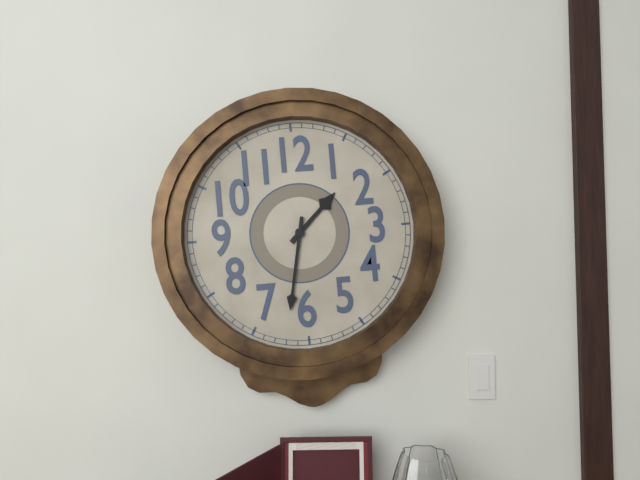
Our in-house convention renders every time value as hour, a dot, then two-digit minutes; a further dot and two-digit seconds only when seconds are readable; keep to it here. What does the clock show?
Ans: 1.32
